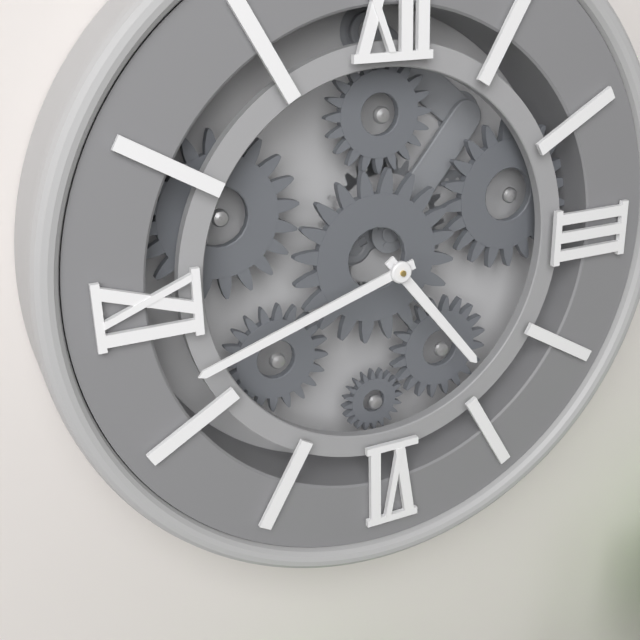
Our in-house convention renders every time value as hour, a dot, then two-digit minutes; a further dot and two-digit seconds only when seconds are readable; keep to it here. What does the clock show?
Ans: 4.42
